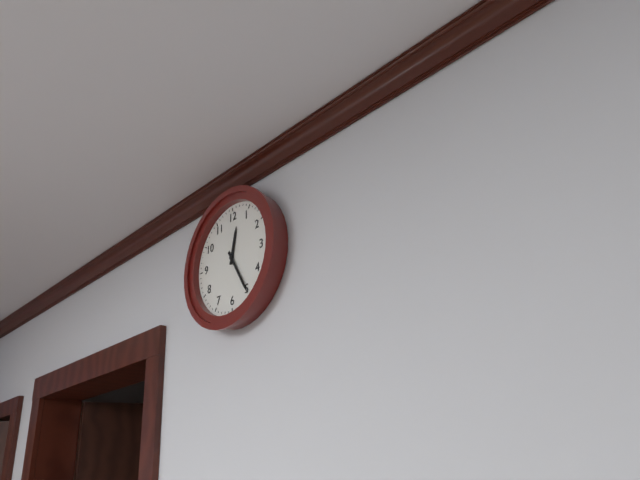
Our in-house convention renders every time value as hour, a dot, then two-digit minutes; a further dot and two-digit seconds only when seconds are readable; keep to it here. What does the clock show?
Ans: 12.25
